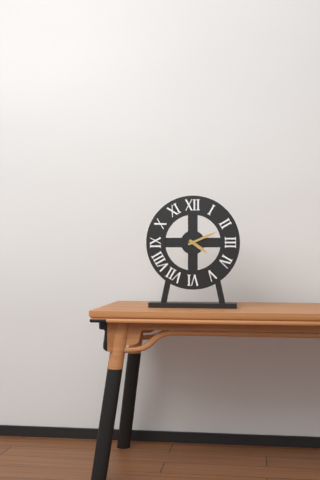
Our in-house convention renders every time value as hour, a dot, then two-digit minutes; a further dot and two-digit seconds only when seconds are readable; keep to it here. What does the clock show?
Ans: 4.11
